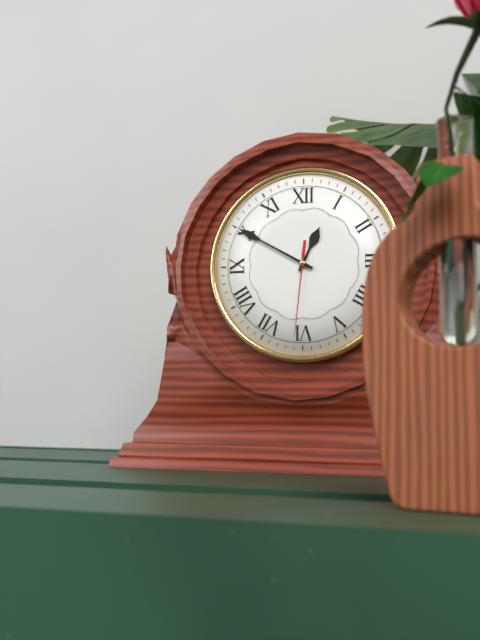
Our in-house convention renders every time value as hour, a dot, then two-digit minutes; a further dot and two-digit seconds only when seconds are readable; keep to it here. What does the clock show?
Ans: 12.50.31
